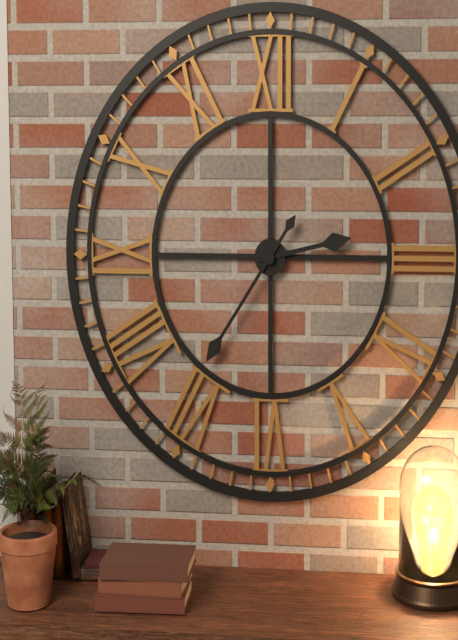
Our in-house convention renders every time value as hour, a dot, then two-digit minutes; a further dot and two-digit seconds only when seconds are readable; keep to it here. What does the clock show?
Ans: 2.36
